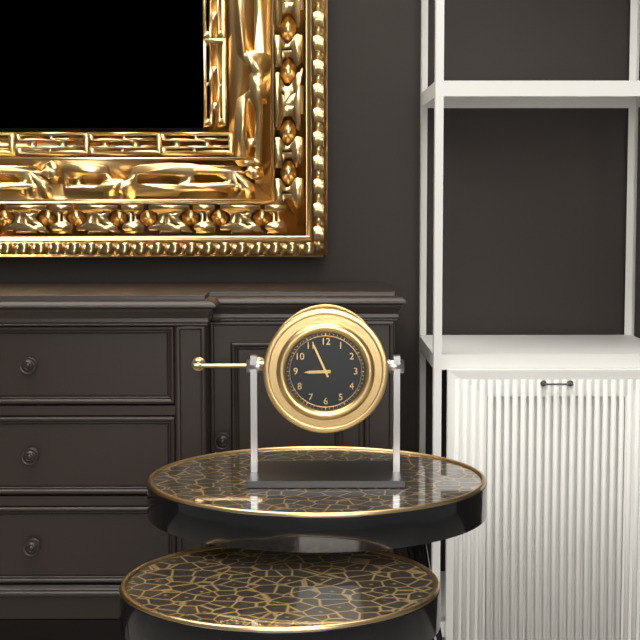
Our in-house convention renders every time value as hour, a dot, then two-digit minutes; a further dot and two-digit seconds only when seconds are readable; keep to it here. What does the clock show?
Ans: 8.56
